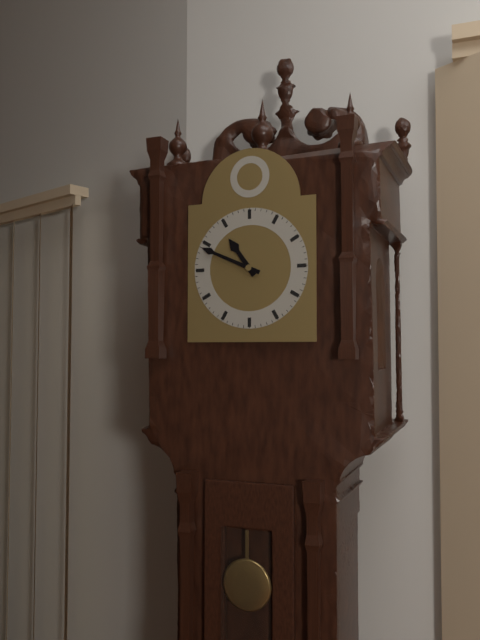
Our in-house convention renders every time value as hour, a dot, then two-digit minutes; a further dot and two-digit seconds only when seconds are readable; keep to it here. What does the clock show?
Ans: 10.49
